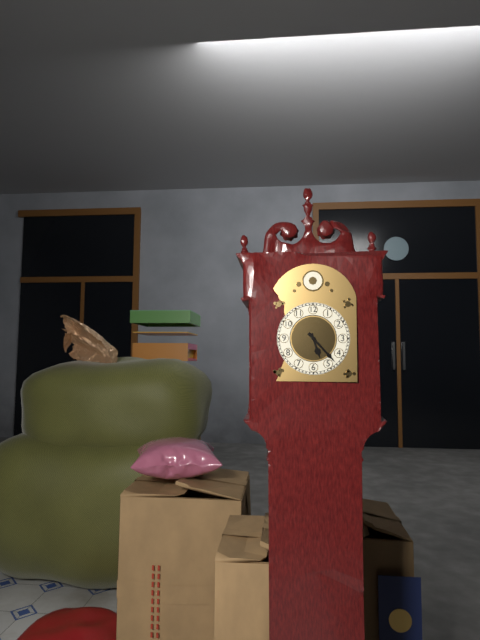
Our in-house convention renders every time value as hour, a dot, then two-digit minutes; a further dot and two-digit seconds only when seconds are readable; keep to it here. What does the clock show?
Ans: 5.23
